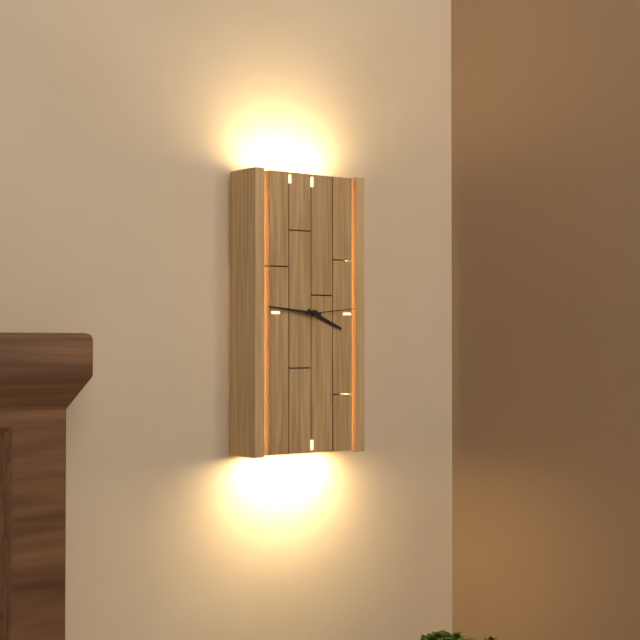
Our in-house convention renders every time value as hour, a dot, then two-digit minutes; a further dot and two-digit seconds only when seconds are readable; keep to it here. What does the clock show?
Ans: 3.46.14
